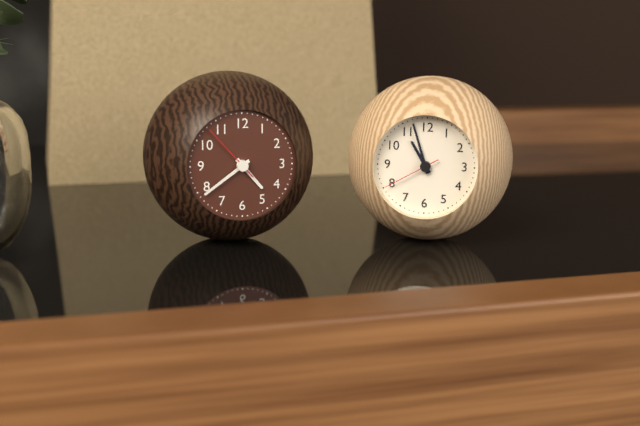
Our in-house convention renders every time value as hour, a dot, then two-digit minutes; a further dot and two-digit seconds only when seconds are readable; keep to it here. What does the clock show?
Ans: 4.39.53
